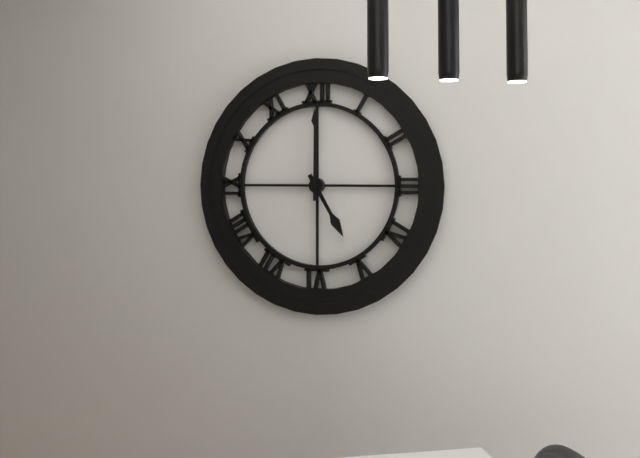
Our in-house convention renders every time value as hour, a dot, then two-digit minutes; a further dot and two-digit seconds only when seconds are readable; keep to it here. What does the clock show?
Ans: 5.00
